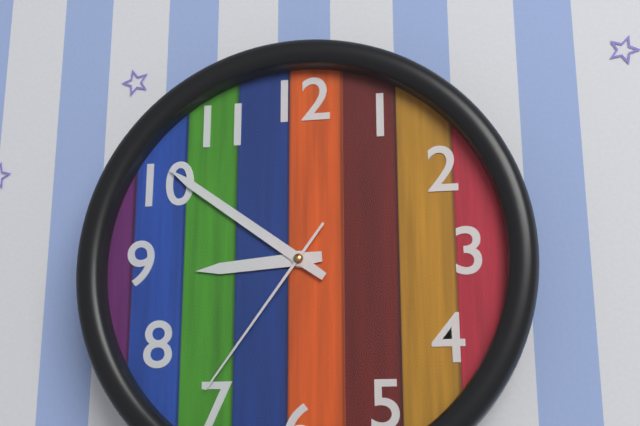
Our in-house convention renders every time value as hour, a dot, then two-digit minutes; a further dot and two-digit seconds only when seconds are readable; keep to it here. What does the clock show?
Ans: 8.51.36
